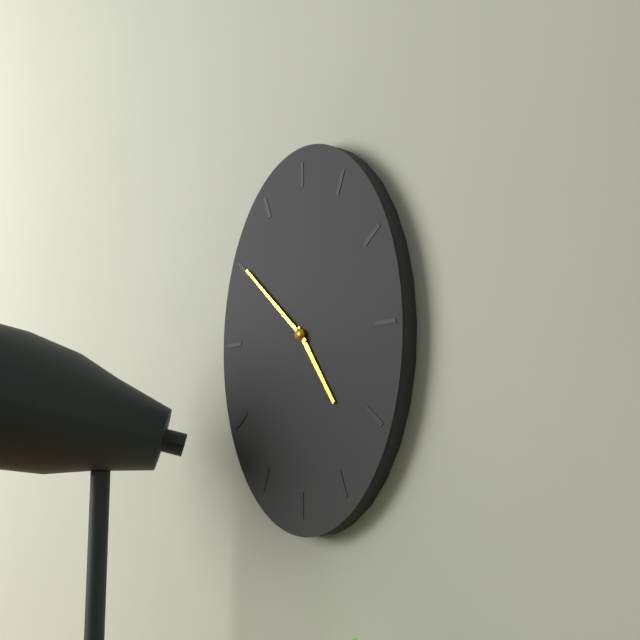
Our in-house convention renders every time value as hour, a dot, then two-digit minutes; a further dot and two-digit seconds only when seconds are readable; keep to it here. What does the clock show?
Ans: 4.52
